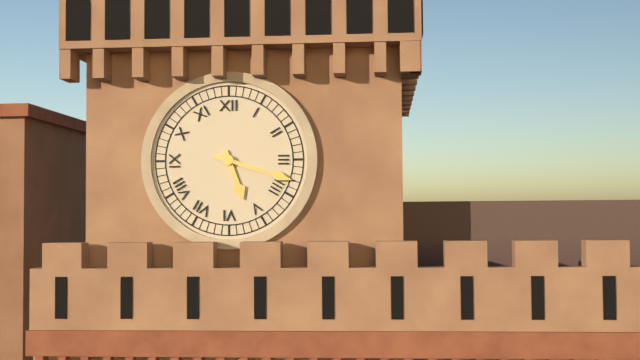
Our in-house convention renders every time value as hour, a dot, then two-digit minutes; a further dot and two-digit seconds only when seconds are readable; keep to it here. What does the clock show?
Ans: 5.18
